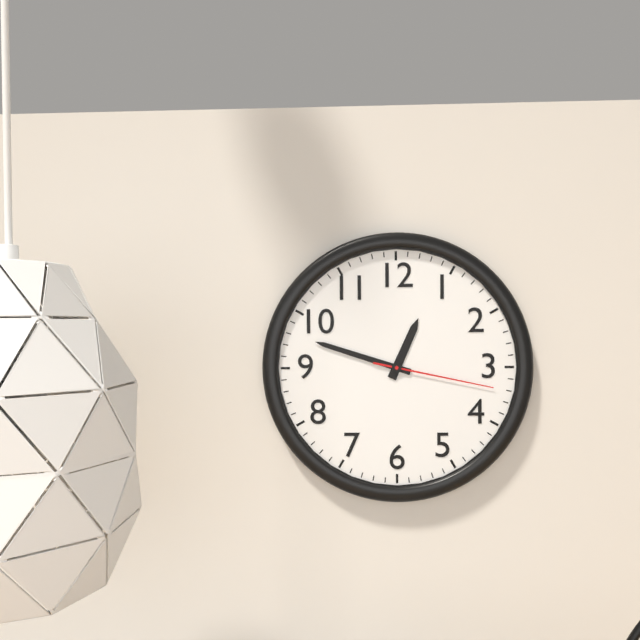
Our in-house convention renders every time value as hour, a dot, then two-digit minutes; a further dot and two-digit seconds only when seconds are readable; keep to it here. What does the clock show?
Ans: 12.48.17
